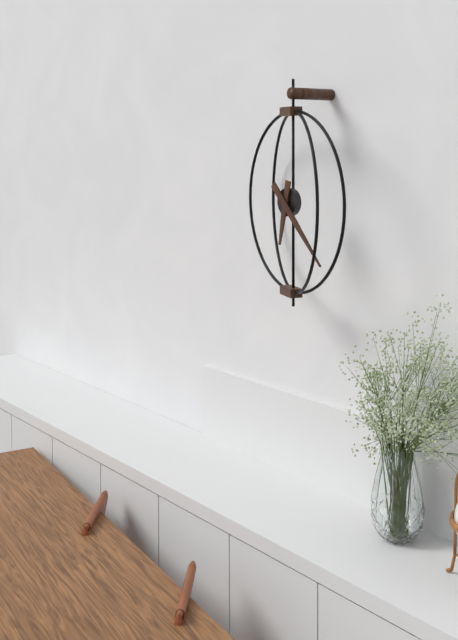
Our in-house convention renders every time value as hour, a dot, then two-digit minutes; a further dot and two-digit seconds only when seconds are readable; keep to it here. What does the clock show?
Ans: 6.23
